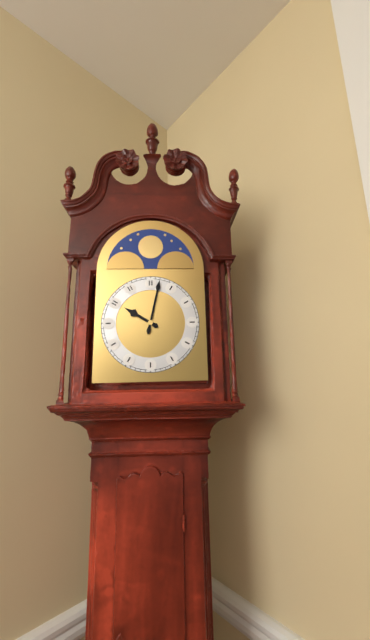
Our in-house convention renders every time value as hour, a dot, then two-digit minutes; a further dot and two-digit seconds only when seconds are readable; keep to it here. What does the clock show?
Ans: 10.02
